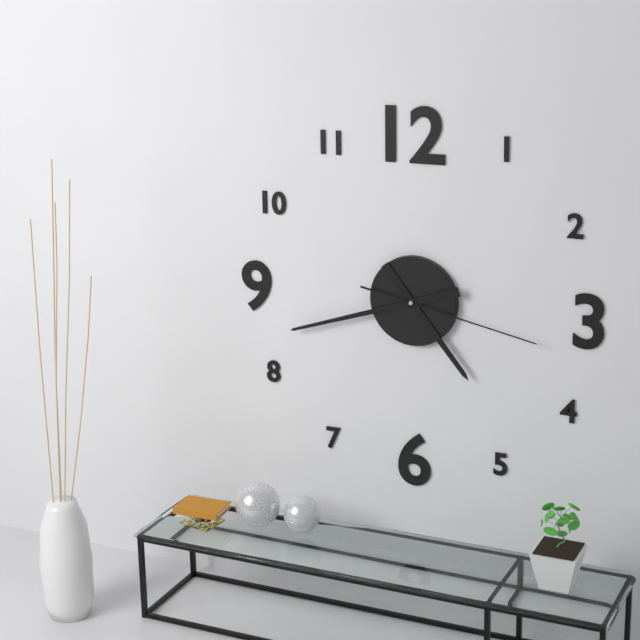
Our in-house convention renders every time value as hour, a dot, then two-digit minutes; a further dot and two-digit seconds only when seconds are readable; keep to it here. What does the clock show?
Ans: 4.42.17
